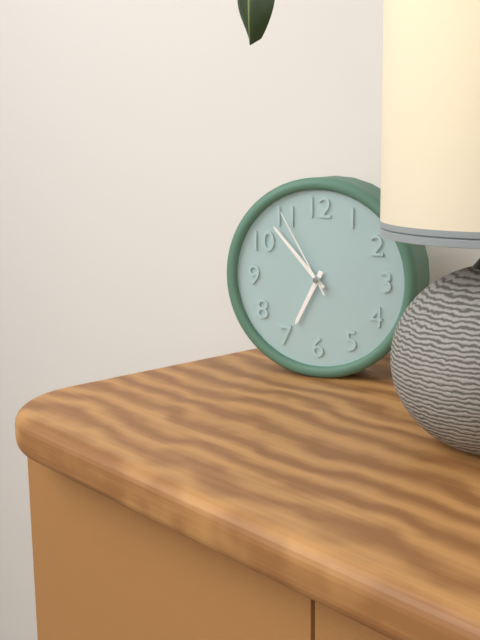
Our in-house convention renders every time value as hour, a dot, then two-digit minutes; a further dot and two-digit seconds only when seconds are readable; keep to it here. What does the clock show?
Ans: 6.53.55
